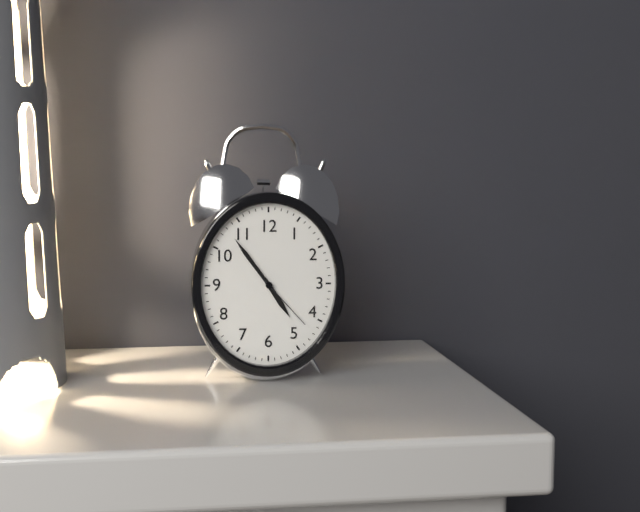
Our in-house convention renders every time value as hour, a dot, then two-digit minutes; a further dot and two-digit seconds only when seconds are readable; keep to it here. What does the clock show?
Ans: 4.54.23
